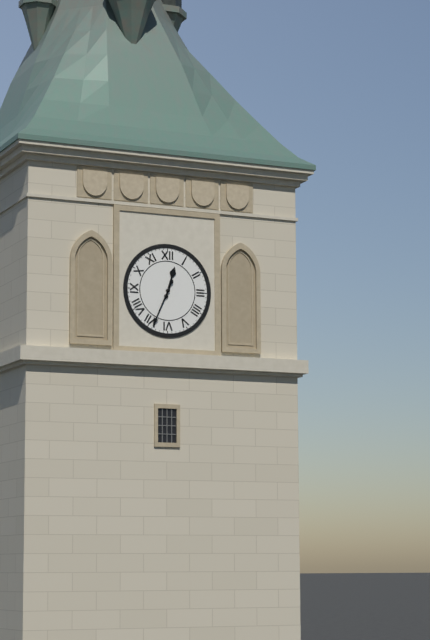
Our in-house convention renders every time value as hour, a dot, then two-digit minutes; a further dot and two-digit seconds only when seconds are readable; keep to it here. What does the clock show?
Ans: 12.34
